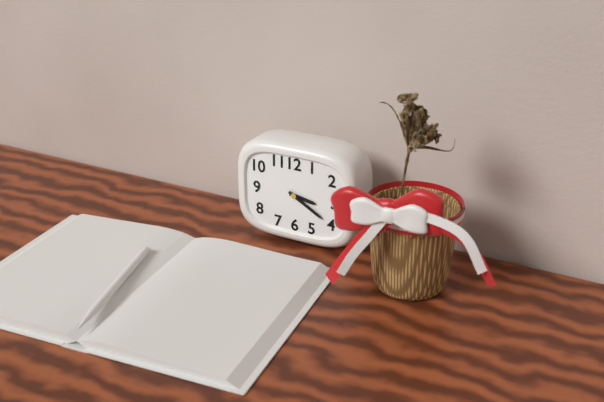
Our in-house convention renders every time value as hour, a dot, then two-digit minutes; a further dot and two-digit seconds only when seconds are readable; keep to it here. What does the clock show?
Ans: 3.20
